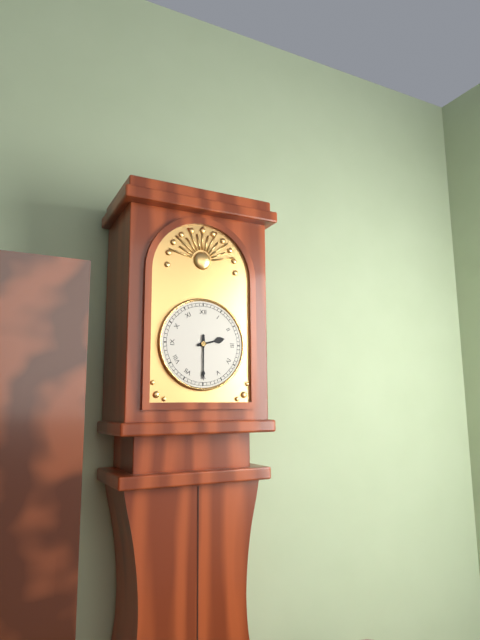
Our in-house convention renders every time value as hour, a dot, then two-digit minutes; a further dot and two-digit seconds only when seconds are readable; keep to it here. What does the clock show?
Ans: 2.30
